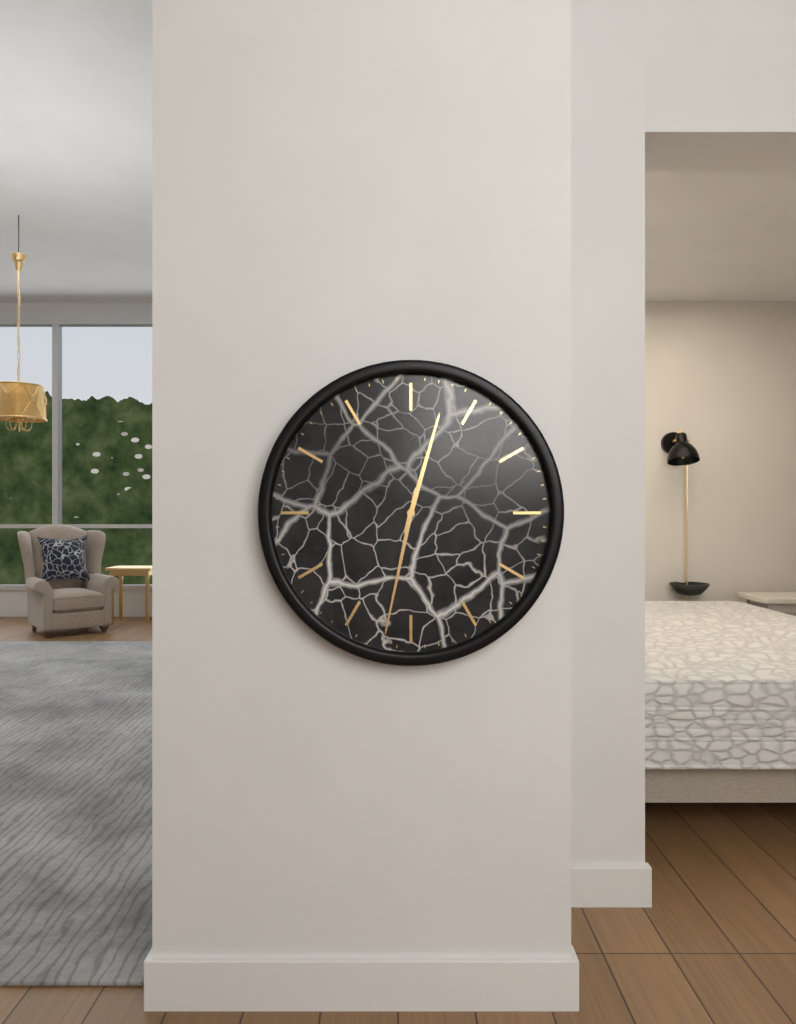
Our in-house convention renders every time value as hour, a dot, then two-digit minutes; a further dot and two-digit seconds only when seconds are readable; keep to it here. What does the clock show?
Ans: 12.32
